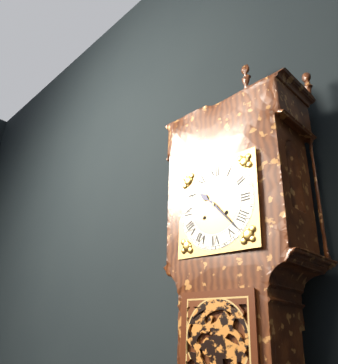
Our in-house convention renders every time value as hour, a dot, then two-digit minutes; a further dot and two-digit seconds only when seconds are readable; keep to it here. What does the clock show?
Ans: 10.23
